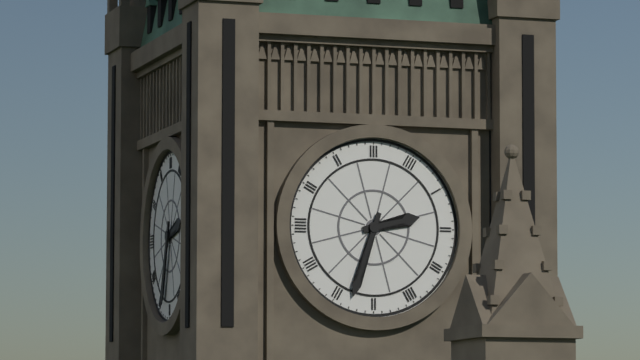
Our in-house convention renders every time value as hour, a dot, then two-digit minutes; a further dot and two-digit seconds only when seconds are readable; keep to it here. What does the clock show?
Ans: 2.33
